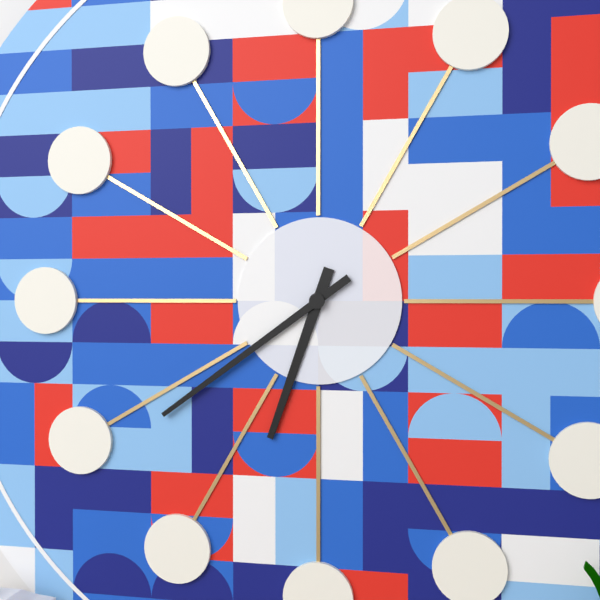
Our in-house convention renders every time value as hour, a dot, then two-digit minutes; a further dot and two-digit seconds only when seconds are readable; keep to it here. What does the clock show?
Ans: 6.39
